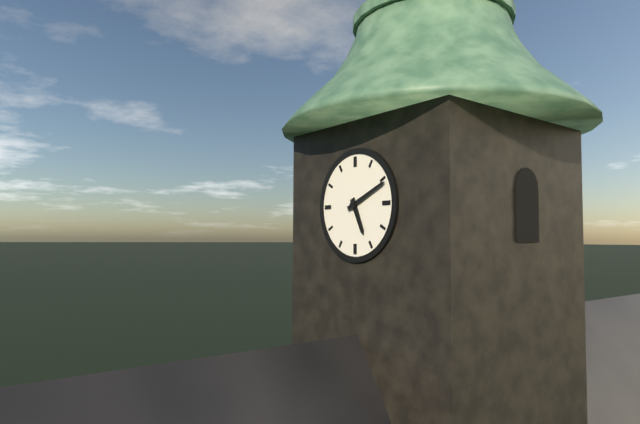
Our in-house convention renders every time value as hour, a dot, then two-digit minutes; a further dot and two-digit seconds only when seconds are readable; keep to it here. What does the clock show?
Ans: 5.11
